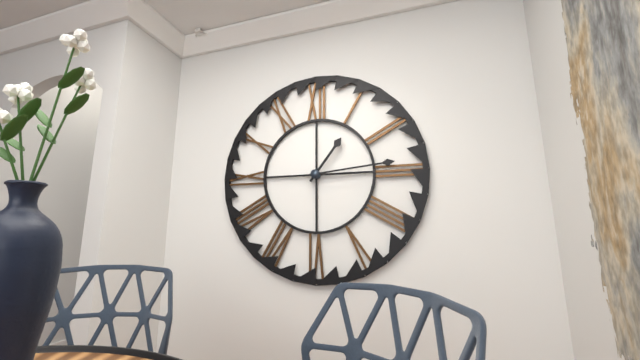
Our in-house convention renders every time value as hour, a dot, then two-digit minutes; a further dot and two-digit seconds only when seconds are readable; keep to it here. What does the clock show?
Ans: 1.14
